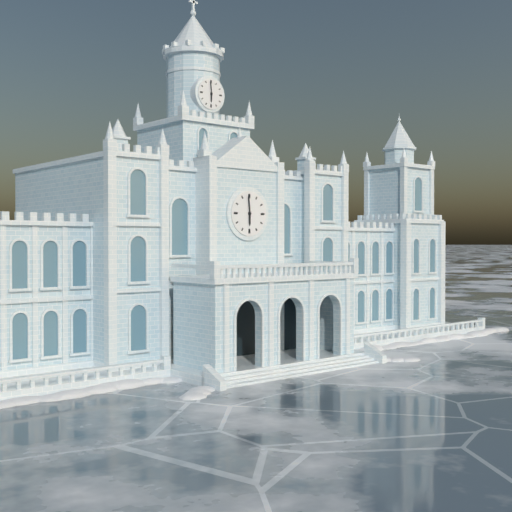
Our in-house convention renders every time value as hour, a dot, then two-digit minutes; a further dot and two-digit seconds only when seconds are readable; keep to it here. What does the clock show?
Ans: 5.59
